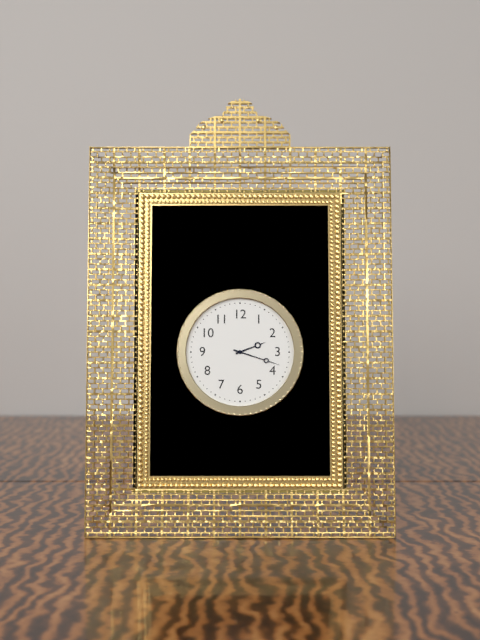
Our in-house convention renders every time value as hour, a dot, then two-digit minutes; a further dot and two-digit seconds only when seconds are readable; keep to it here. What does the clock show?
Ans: 2.18
